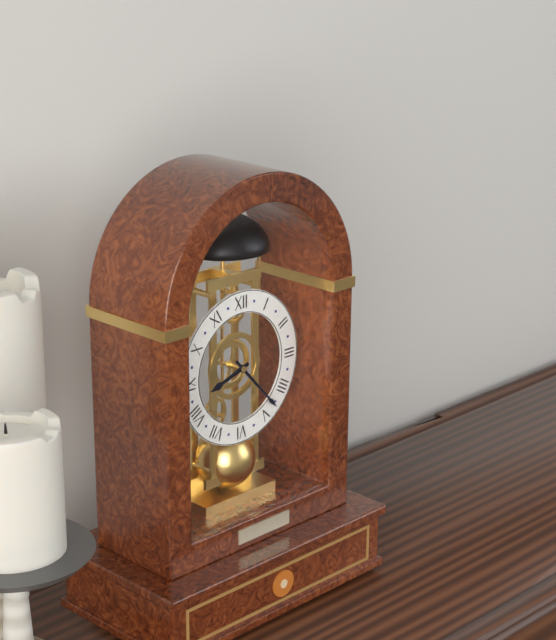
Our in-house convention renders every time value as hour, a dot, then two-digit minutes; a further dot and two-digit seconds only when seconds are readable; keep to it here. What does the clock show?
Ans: 8.23
